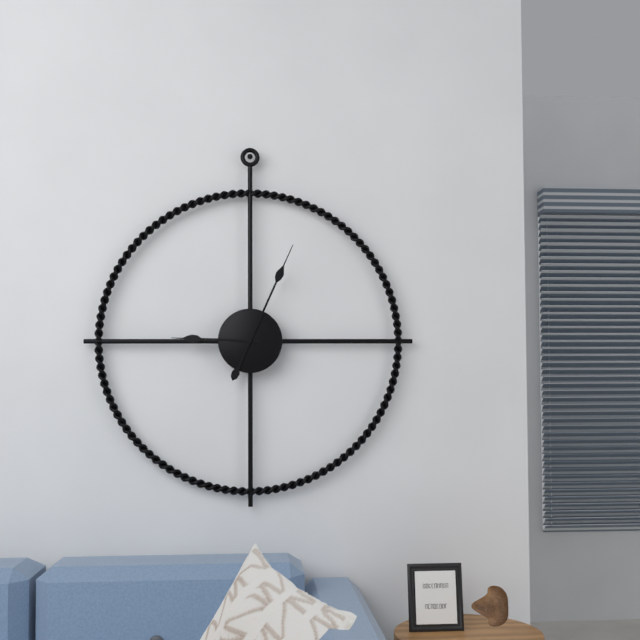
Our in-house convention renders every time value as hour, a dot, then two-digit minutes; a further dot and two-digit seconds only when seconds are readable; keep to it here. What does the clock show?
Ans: 9.04
